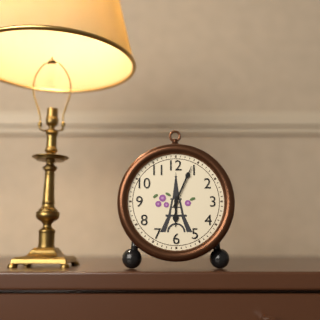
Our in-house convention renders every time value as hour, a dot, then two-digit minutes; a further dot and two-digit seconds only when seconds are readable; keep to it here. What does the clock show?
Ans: 6.04
